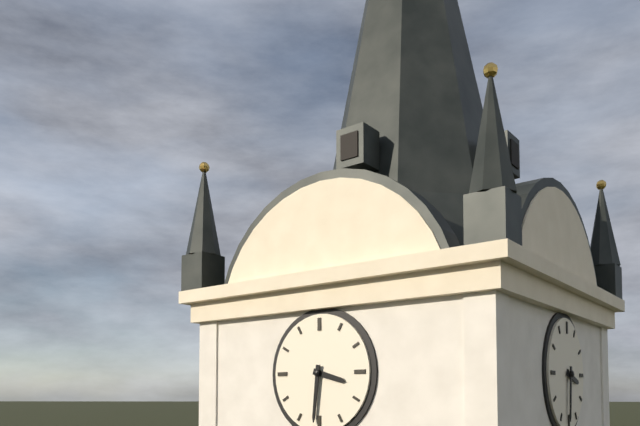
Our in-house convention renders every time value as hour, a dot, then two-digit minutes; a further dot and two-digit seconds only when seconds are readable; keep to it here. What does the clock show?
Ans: 3.31
